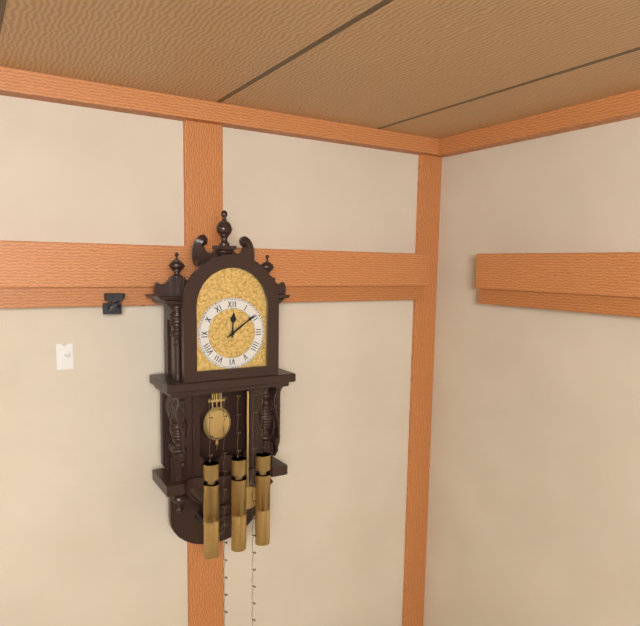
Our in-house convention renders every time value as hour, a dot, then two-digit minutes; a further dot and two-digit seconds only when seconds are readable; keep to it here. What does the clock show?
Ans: 12.09
